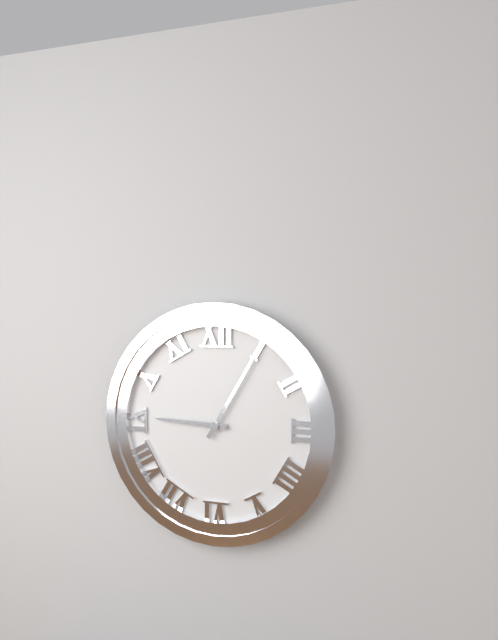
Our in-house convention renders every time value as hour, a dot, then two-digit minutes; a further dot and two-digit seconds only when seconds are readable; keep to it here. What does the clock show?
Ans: 9.05
